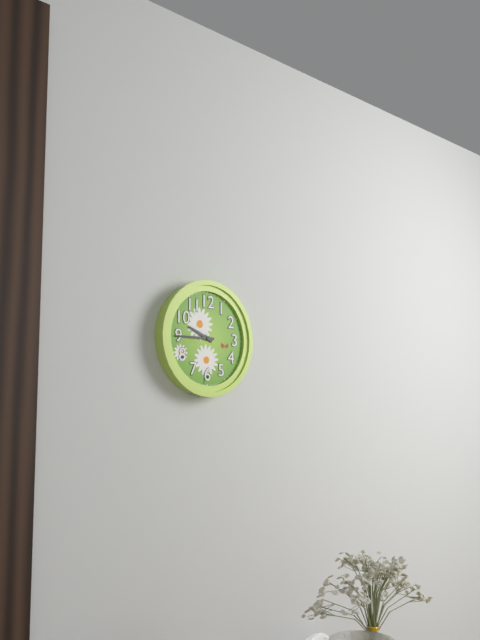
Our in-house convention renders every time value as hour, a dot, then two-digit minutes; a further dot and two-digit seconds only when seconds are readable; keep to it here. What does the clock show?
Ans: 9.45
